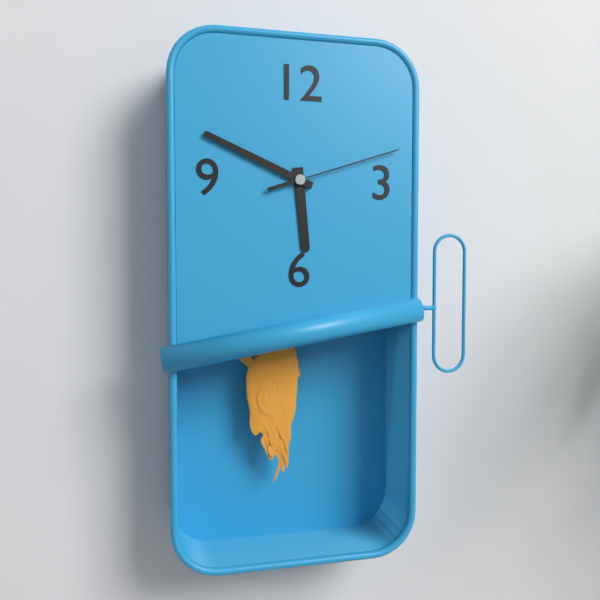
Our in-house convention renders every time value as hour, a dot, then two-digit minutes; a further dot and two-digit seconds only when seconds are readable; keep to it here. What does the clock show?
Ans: 5.49.12
